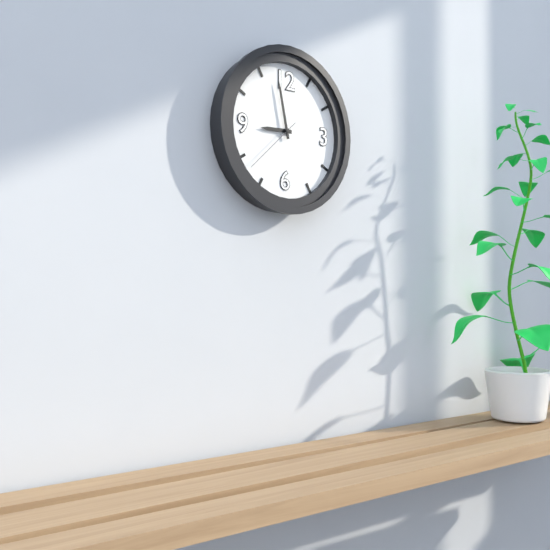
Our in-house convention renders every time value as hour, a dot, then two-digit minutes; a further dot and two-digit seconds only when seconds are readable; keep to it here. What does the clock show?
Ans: 8.58.38
